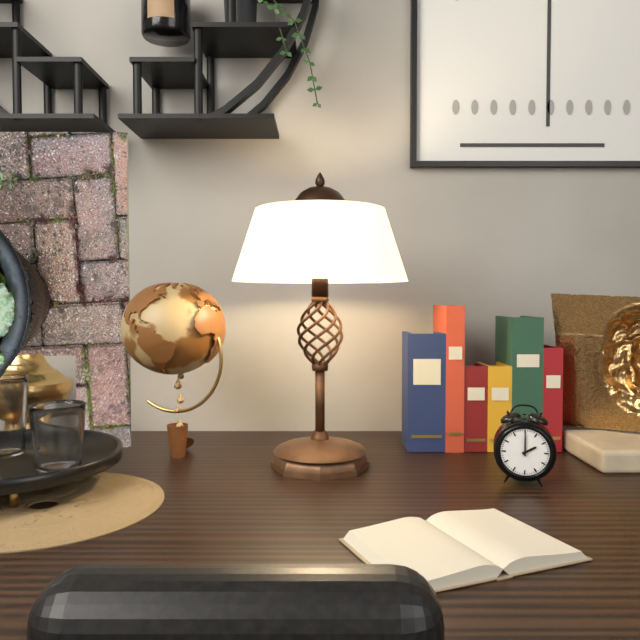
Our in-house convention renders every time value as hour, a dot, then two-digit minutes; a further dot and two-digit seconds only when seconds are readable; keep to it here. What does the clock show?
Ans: 2.00
